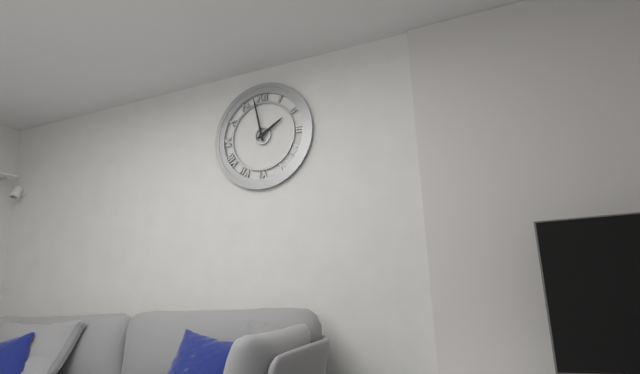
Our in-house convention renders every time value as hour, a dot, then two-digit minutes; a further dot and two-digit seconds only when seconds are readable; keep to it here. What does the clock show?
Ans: 1.58
